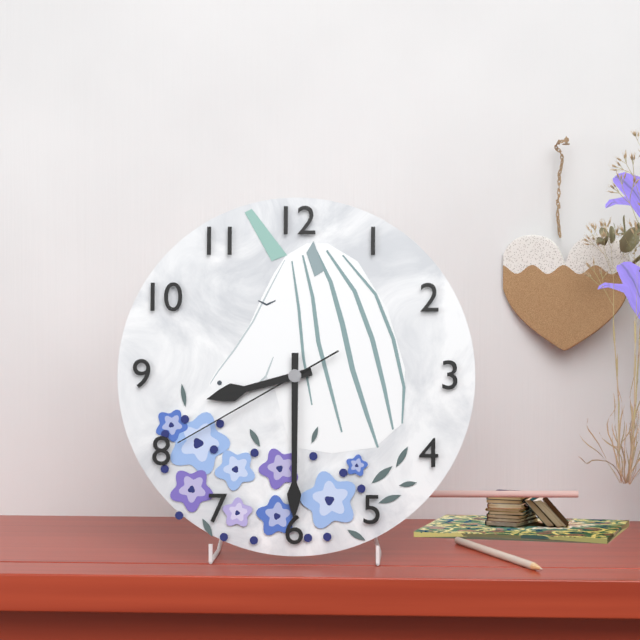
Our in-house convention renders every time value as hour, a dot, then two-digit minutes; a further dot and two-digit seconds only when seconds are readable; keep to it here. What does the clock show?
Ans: 8.30.40
